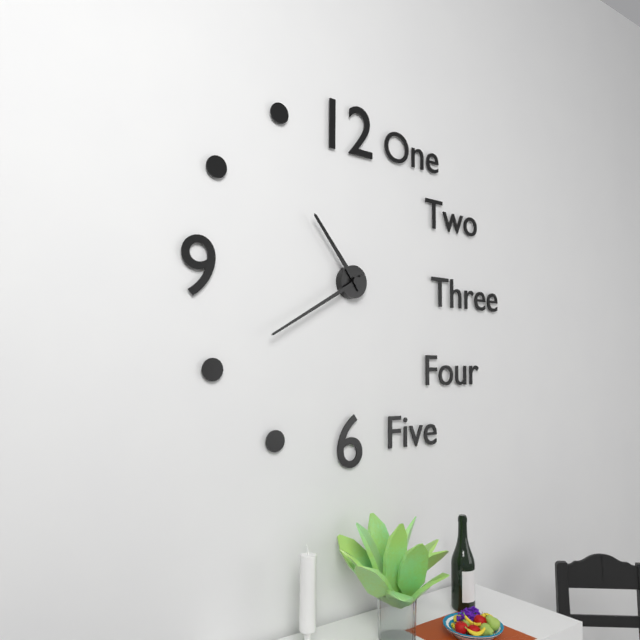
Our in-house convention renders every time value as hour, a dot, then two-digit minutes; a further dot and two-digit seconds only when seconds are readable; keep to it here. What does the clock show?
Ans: 10.40
